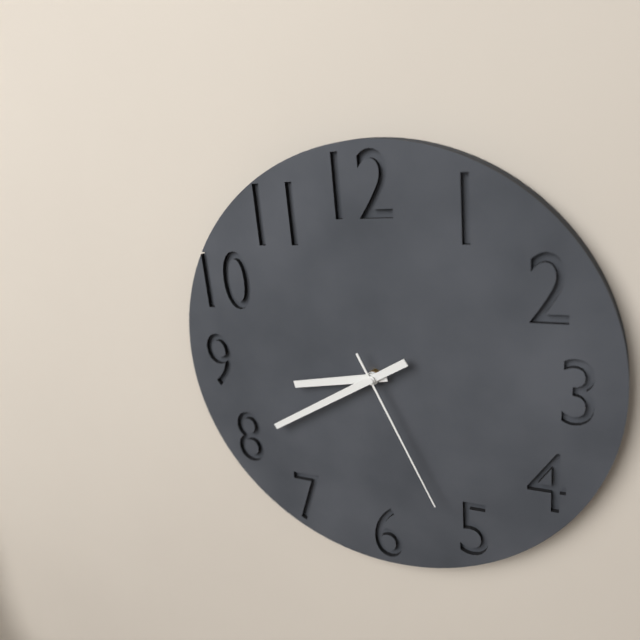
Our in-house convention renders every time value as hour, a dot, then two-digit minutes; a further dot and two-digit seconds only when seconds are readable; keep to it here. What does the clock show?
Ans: 8.40.26
